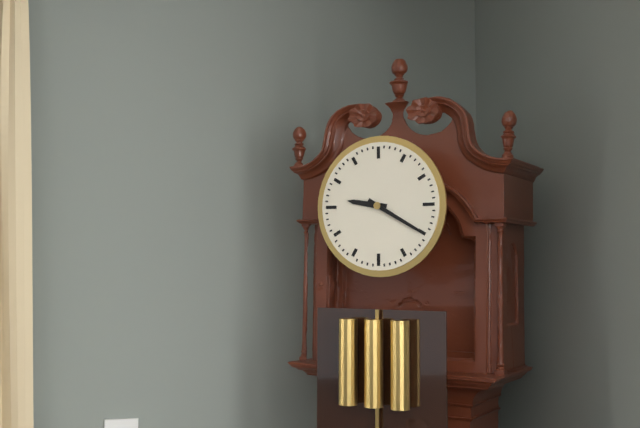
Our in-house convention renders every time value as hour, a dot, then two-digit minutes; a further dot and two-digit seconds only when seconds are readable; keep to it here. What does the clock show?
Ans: 9.20
